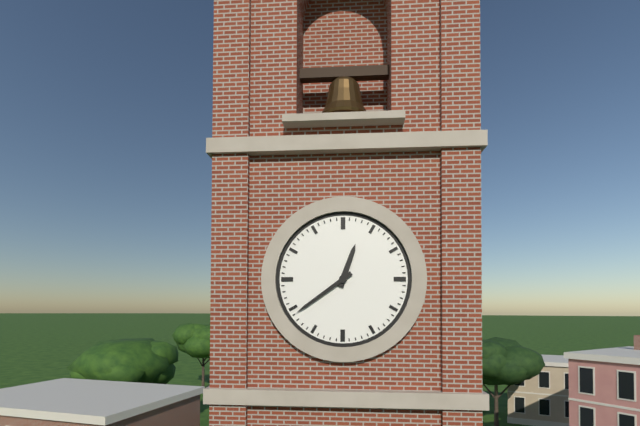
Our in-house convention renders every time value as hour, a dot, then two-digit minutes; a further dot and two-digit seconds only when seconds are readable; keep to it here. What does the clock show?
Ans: 12.39
